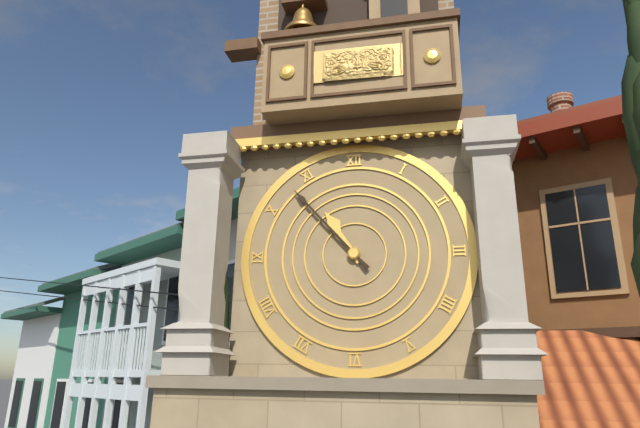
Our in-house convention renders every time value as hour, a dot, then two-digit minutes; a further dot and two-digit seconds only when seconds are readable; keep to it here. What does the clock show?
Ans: 10.53
